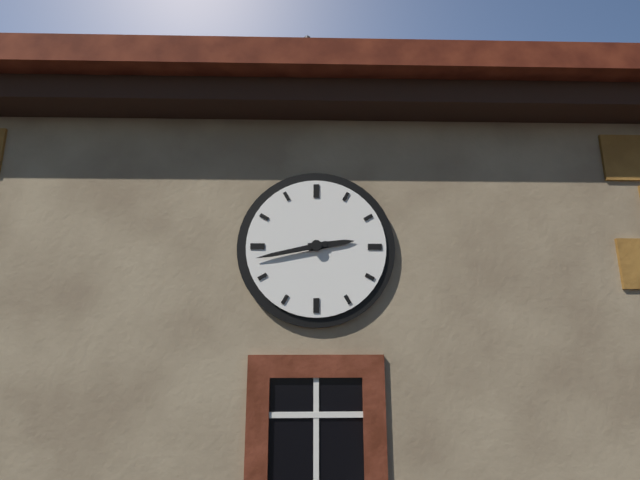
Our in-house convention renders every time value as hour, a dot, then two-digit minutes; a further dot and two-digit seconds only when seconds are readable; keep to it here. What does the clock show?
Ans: 2.43
